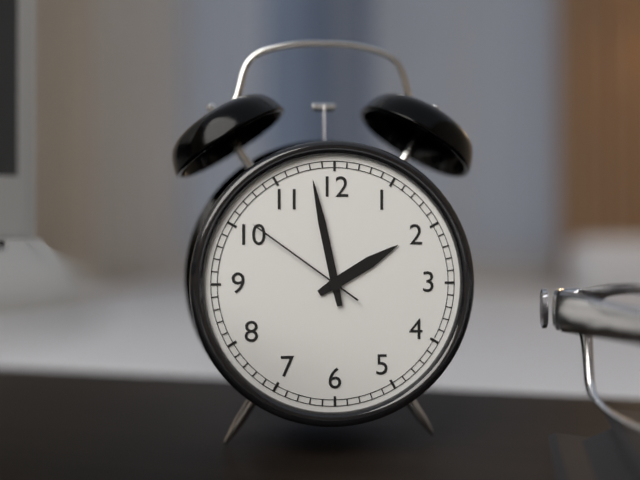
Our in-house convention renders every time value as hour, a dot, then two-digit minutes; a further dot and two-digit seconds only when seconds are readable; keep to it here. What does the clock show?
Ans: 1.58.51
